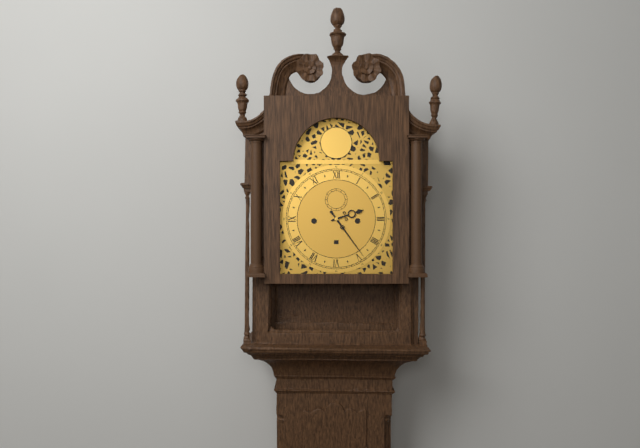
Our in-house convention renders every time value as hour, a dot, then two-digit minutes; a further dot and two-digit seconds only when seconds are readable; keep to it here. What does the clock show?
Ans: 2.24
